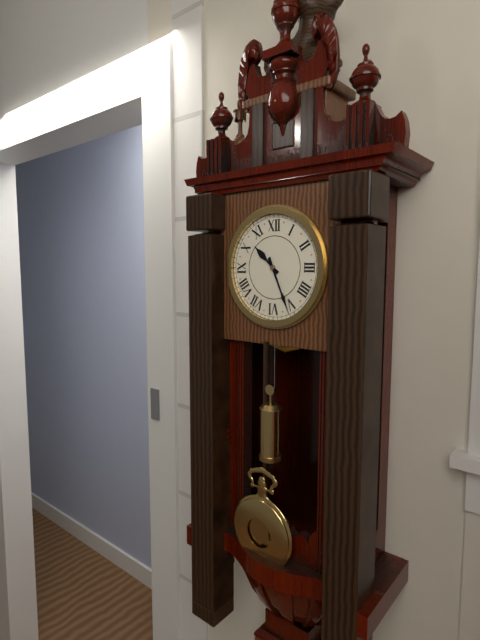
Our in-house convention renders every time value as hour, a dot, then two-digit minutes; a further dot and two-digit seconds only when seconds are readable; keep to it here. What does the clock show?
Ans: 10.26
